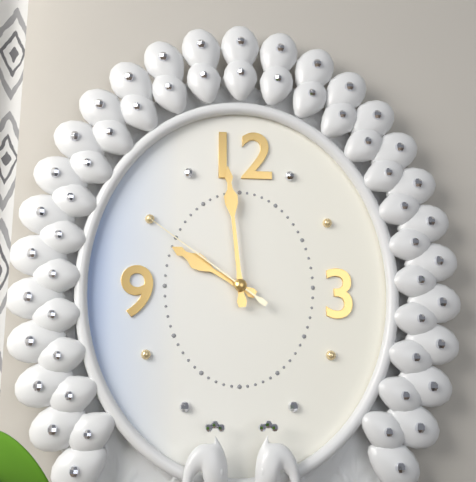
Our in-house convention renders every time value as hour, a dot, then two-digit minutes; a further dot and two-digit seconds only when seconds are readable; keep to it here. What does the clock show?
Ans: 9.59.51
